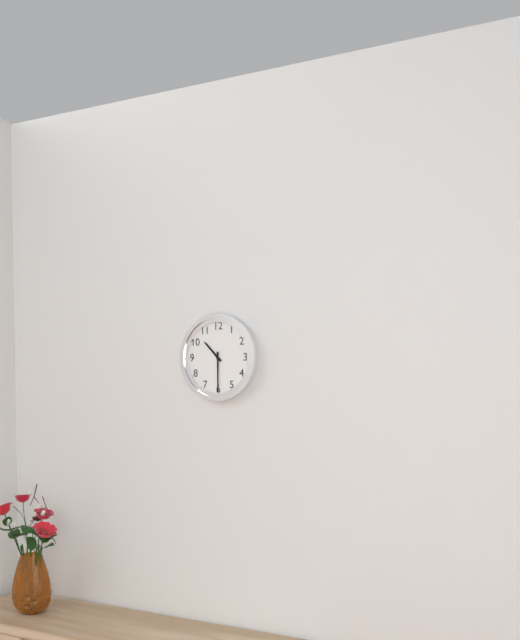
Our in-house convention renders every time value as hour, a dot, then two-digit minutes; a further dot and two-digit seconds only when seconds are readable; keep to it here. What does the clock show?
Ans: 10.30
